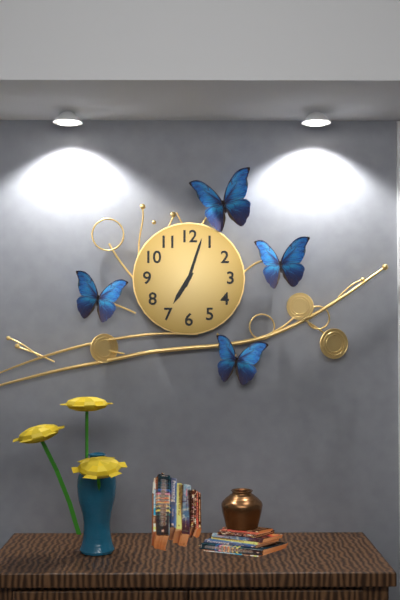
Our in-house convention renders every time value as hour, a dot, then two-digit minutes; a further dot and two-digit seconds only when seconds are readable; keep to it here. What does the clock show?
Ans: 7.03
